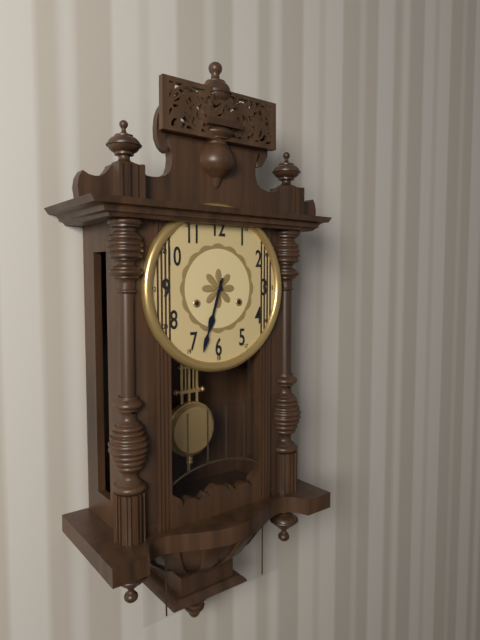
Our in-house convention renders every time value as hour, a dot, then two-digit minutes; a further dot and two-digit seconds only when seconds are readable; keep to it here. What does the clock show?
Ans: 6.33
